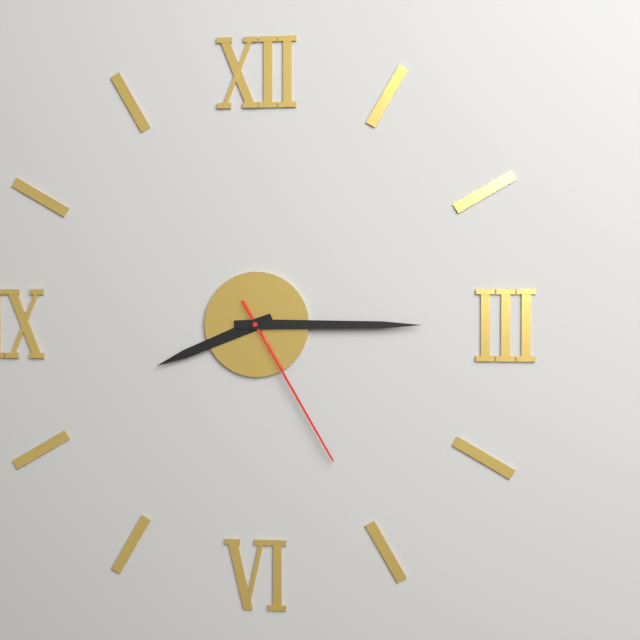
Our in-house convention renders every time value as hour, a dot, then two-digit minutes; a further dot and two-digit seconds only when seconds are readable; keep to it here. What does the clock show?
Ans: 8.15.25
